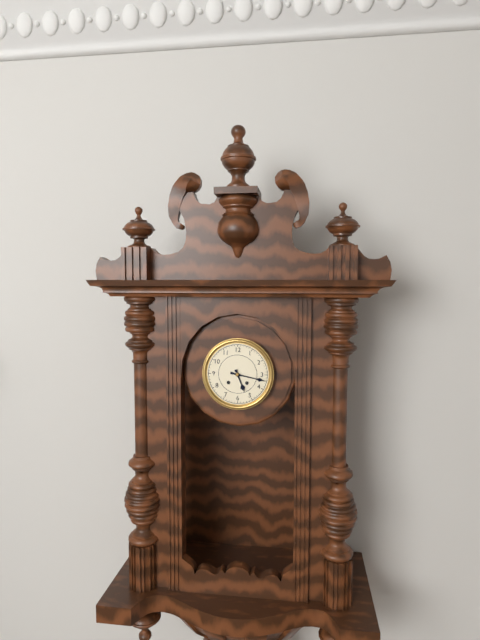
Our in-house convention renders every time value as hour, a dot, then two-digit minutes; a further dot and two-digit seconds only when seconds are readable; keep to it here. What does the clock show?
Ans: 5.17
